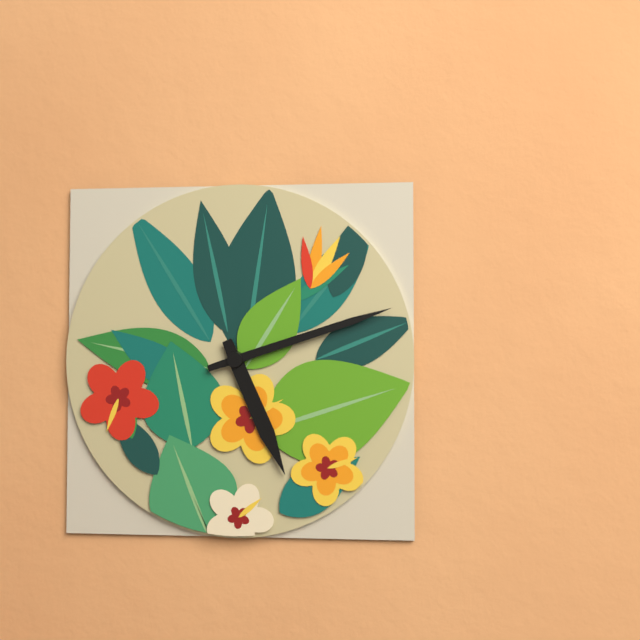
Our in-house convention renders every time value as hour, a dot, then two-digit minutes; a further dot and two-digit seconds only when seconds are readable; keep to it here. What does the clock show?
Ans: 5.12
